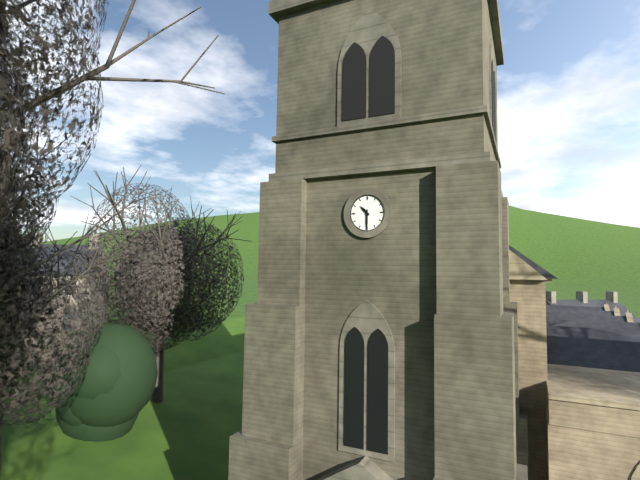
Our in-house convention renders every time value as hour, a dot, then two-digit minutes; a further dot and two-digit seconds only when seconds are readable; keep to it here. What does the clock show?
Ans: 10.30
